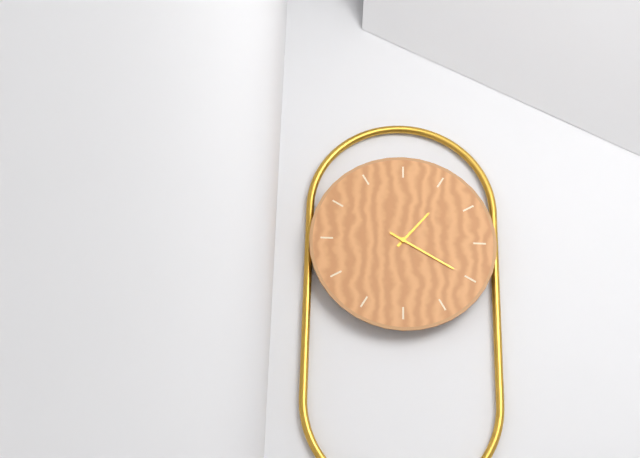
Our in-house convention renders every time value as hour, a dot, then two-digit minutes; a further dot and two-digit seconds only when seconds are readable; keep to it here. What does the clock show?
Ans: 1.20
